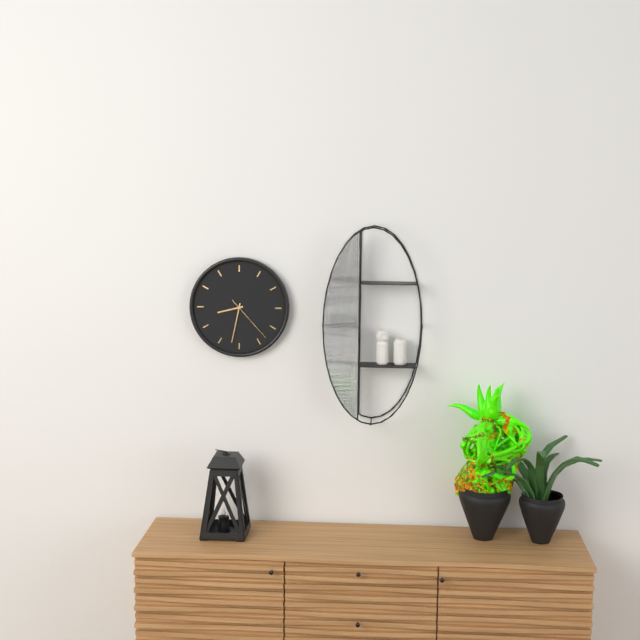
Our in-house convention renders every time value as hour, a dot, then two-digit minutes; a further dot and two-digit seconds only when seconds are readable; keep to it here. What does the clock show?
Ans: 8.32.23
